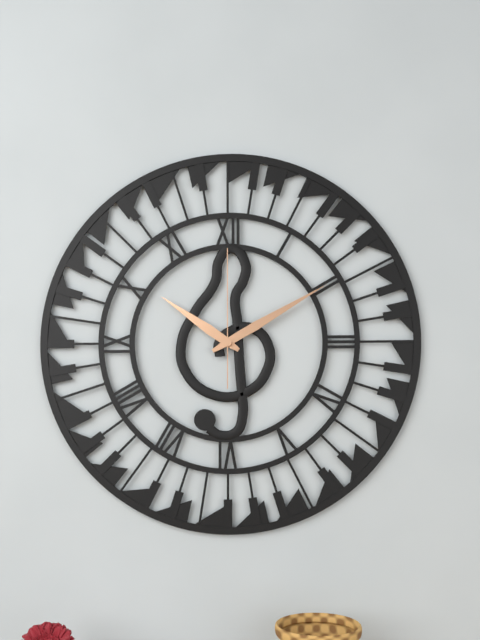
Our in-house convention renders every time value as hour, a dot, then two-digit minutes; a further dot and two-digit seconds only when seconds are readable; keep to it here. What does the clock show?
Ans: 10.10.00
